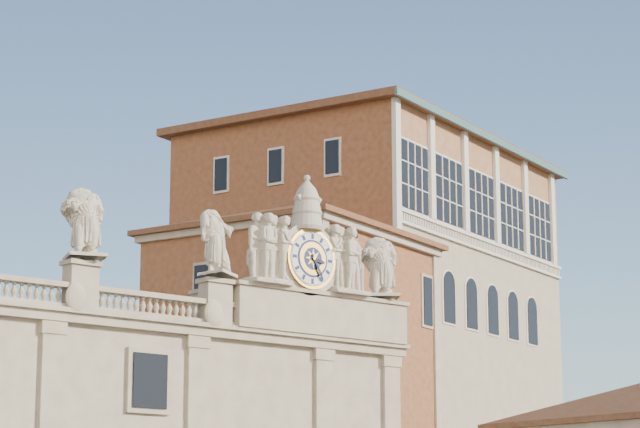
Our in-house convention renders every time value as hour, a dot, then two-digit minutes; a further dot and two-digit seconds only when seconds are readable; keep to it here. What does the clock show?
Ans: 3.25
